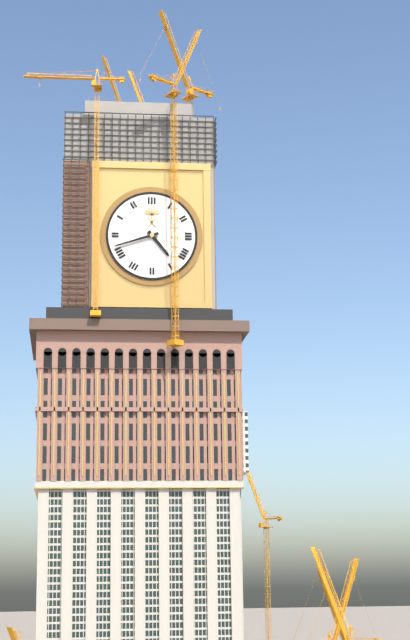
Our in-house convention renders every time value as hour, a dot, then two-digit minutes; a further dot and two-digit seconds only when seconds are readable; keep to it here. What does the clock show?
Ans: 4.42
